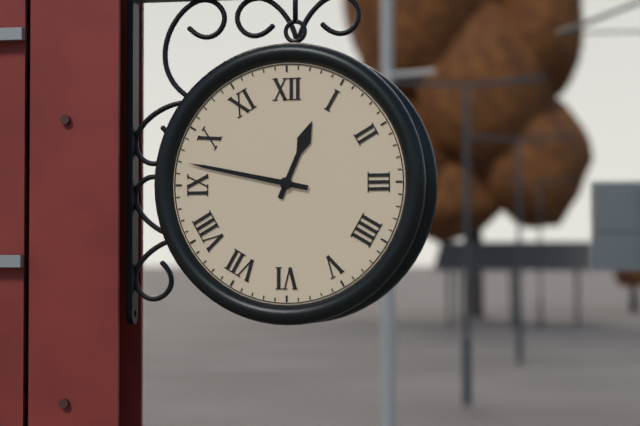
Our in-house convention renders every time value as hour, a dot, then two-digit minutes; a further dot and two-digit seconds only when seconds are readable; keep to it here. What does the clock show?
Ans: 12.47
